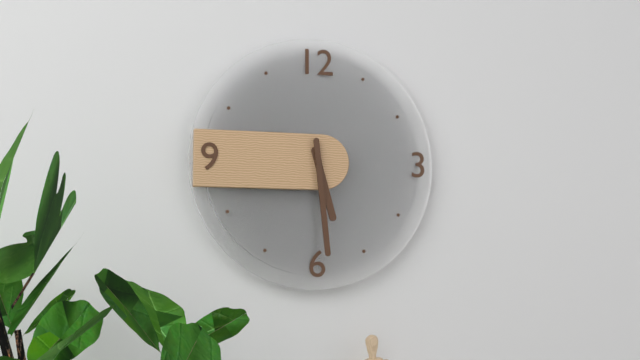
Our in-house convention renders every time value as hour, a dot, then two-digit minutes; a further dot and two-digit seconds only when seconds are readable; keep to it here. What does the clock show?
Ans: 5.29
